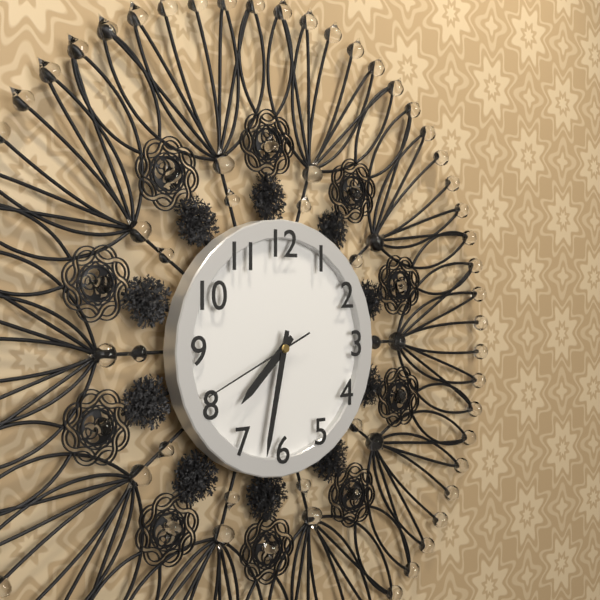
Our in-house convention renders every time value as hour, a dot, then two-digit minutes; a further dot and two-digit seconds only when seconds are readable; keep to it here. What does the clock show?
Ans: 7.32.41
